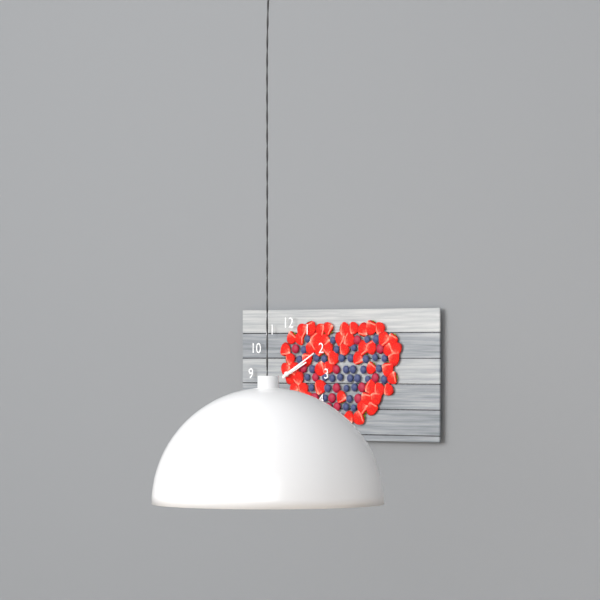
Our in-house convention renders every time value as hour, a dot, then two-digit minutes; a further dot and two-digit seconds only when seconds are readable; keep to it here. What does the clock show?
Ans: 2.10
